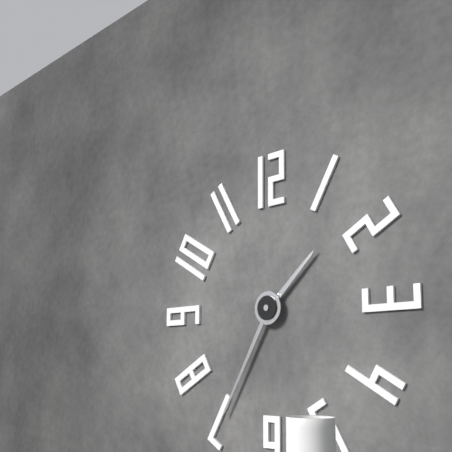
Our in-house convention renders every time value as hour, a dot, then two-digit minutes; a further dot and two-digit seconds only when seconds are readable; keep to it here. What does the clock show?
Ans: 1.35
